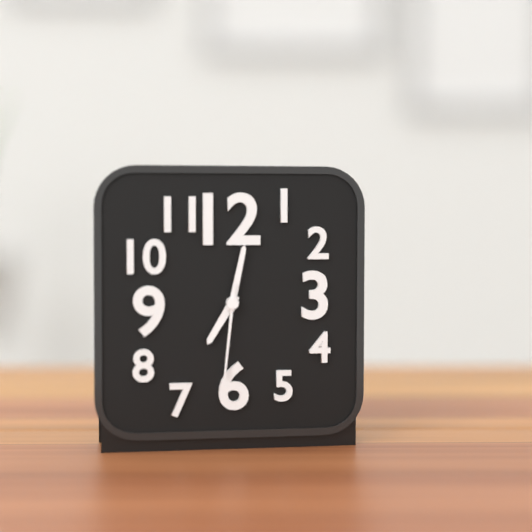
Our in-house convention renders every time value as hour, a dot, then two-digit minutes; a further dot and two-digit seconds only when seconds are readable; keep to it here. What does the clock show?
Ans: 7.02.31
